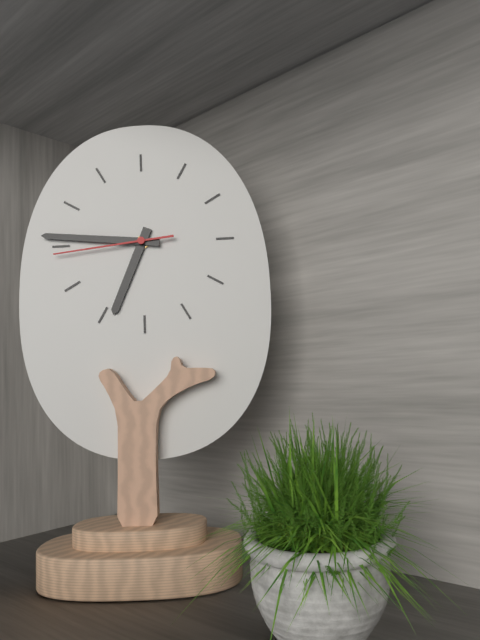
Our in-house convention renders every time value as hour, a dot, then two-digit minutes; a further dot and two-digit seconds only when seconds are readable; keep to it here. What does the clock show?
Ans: 6.46.44
